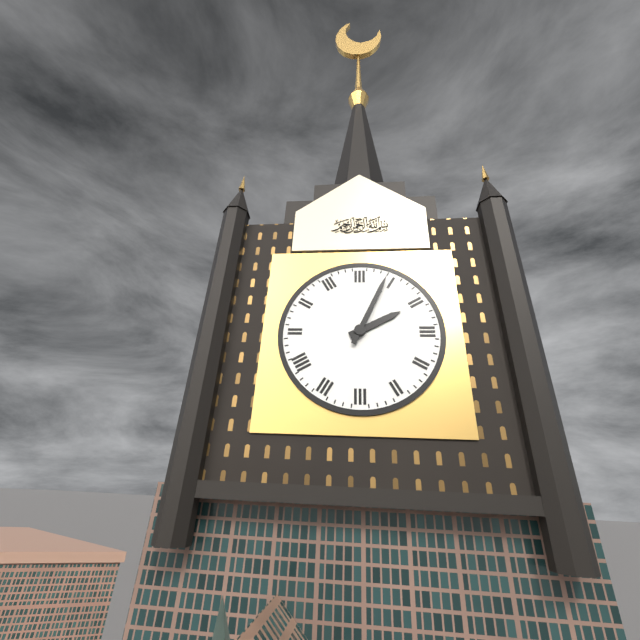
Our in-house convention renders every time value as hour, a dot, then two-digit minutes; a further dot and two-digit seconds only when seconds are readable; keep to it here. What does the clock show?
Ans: 2.04
